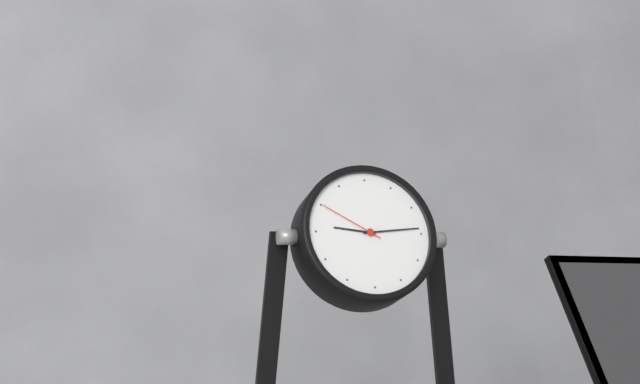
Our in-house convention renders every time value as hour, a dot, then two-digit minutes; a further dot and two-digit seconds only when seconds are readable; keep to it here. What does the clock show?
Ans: 9.14.50
